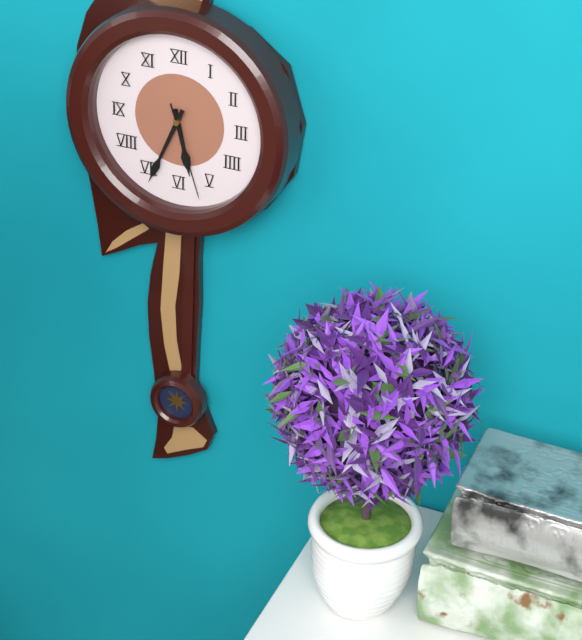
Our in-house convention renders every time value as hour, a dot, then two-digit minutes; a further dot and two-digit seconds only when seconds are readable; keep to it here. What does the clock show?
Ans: 5.34.27
